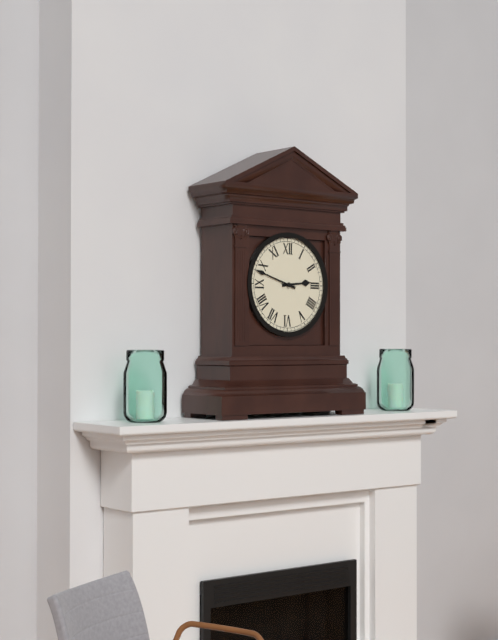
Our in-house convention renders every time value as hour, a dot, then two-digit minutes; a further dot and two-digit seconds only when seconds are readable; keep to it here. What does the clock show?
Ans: 2.48
